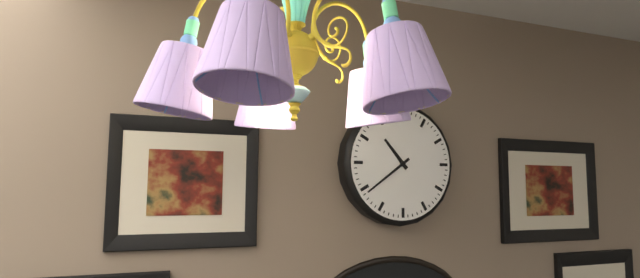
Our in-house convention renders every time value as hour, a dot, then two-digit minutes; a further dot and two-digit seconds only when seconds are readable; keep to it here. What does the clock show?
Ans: 10.39
